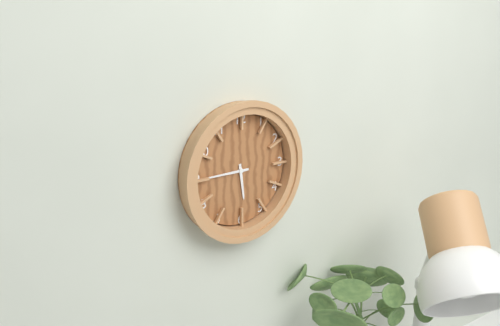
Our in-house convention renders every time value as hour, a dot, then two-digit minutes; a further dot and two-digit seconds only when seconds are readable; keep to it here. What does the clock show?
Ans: 5.45
